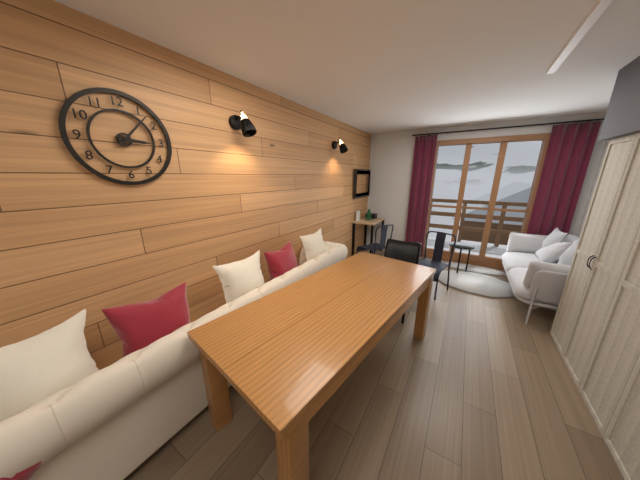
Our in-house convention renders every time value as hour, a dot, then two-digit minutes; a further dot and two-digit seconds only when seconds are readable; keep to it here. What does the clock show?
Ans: 3.07
